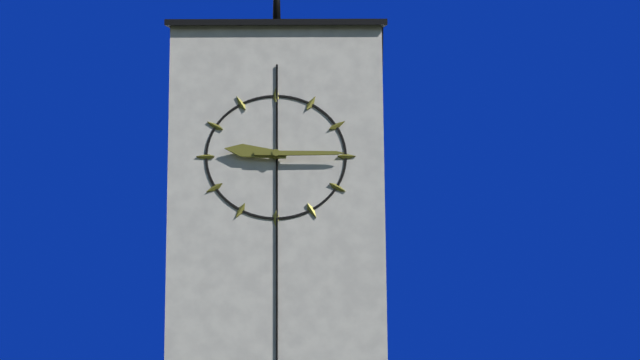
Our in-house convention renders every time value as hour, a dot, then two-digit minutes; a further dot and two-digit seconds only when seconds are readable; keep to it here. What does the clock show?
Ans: 9.15
